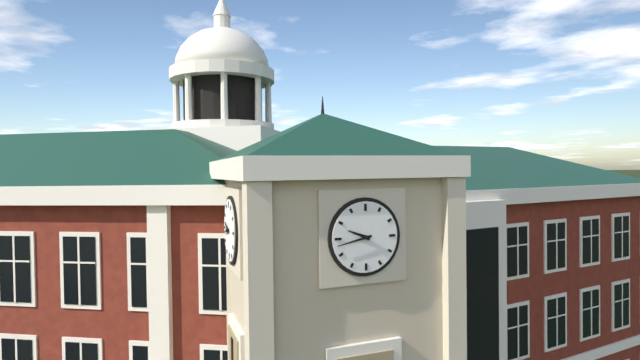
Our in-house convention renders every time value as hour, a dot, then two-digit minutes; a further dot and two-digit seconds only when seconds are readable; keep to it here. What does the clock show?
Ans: 9.43
